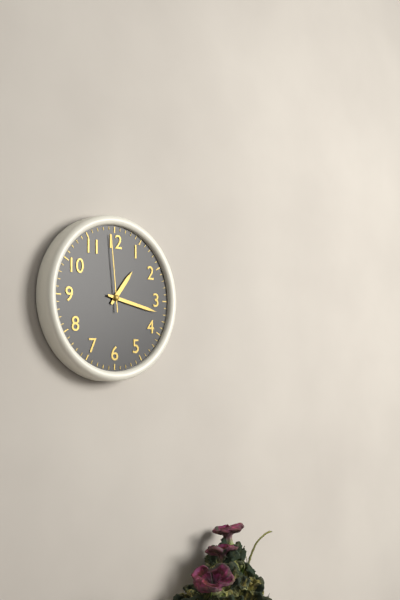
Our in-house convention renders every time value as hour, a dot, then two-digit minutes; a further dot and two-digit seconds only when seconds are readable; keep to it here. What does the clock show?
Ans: 1.17.59
